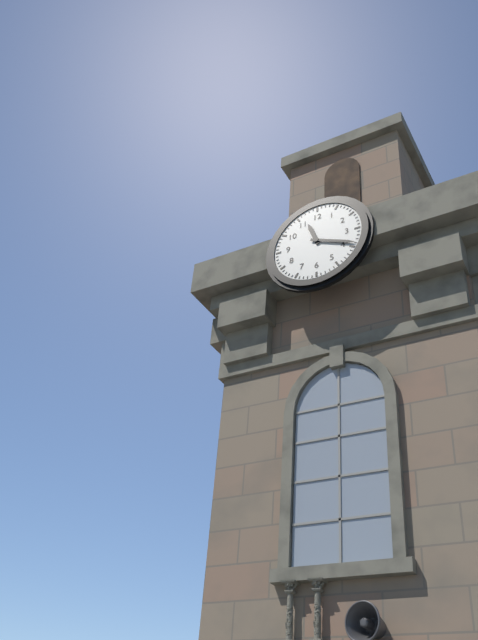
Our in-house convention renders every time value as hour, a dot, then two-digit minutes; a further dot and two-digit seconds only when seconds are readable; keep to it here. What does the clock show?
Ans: 11.19
